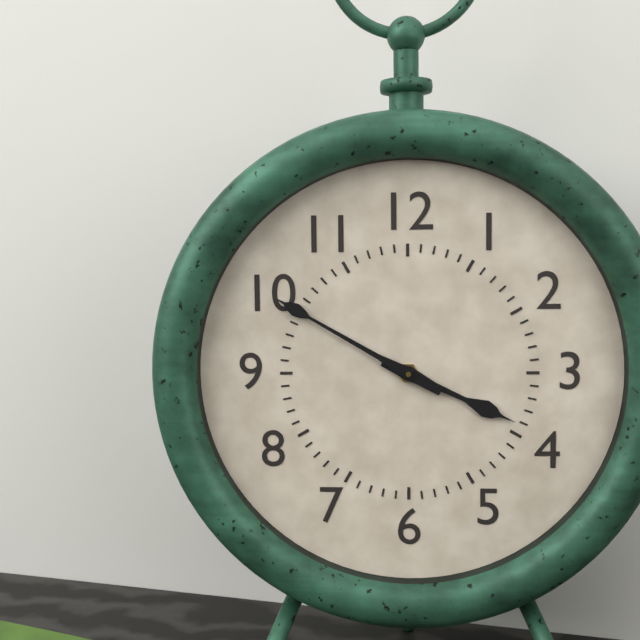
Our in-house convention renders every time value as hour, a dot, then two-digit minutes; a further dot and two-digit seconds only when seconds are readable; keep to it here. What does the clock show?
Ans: 3.50
